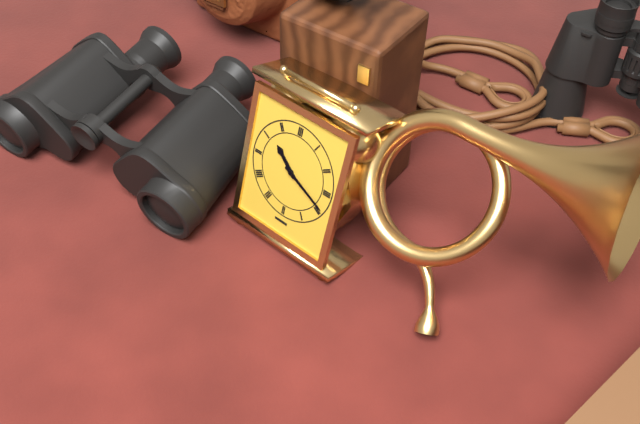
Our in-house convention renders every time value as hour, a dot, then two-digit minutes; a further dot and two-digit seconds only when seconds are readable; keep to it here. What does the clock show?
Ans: 10.19
